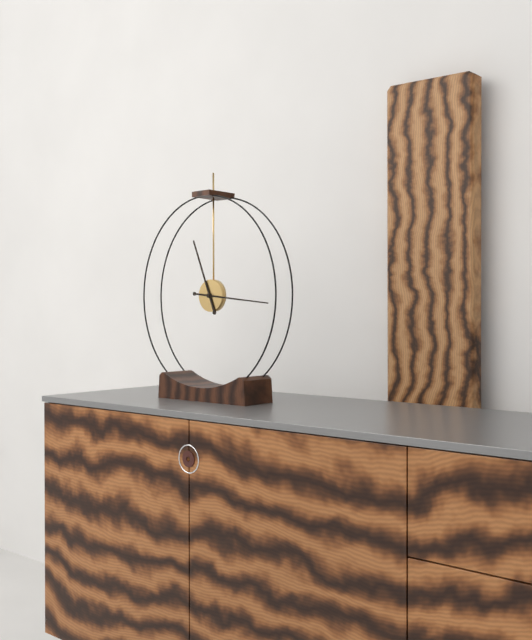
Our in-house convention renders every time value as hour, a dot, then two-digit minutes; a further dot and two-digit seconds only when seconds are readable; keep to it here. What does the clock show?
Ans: 11.16
